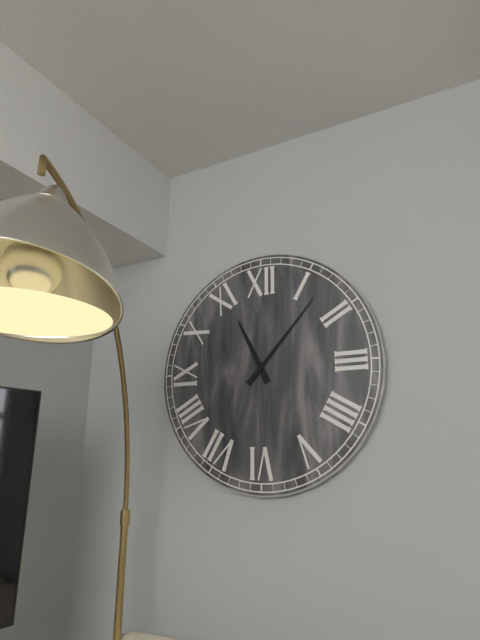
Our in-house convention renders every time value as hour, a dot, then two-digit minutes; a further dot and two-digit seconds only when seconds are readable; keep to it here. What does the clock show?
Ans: 11.07
